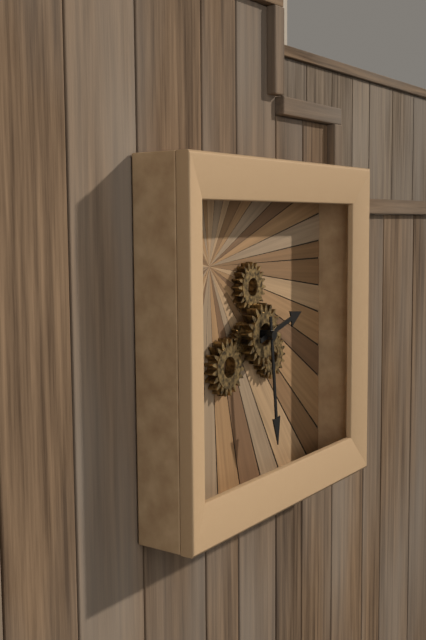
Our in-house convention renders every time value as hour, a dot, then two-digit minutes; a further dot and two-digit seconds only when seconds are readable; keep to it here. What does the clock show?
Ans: 2.29
